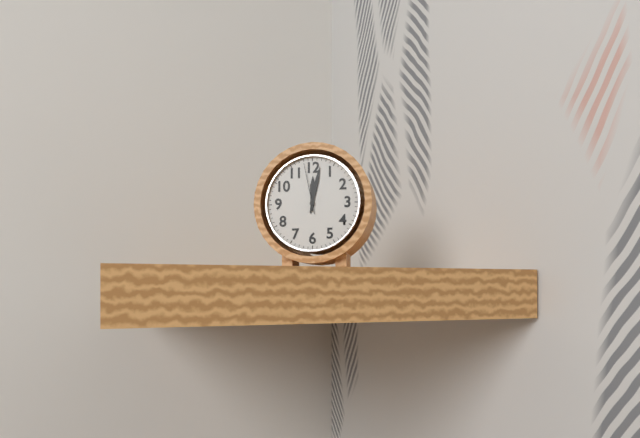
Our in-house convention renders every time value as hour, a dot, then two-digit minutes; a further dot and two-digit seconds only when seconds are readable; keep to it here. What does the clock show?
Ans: 12.02.58
